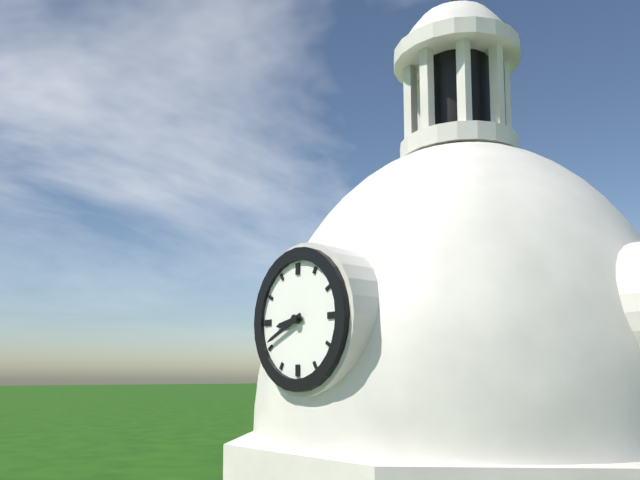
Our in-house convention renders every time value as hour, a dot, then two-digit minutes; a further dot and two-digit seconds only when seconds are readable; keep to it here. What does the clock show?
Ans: 8.41
